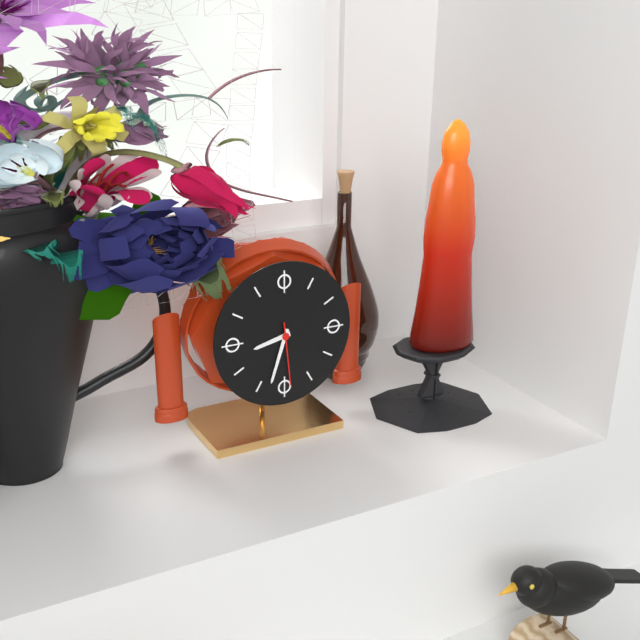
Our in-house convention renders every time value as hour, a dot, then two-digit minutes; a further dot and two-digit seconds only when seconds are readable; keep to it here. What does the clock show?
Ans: 8.33.29
